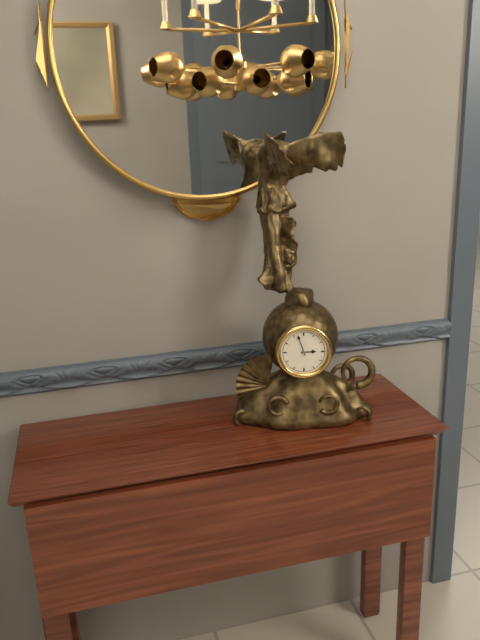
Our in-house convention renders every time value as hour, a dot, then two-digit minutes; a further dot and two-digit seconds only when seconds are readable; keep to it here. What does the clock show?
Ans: 2.57
